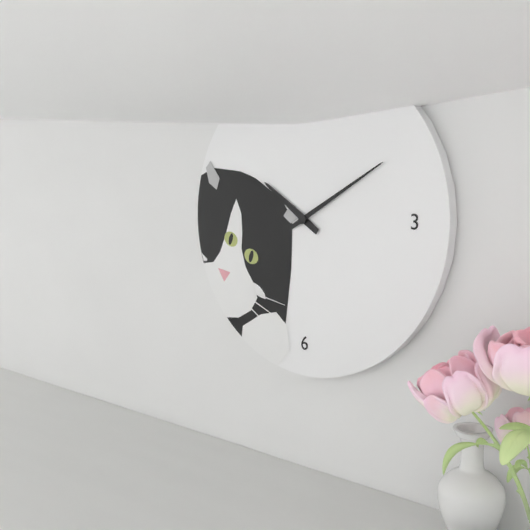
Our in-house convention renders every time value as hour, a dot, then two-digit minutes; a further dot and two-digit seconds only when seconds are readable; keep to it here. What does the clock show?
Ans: 10.10
